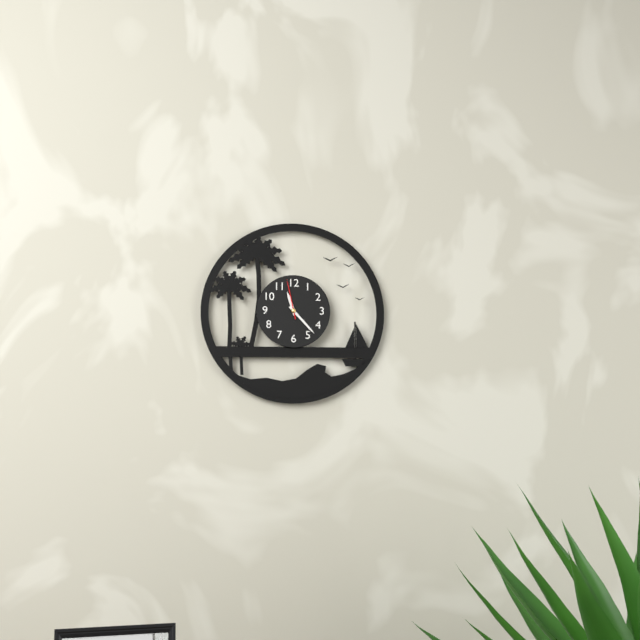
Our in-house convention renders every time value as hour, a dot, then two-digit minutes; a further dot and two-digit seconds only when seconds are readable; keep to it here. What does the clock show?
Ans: 11.23
